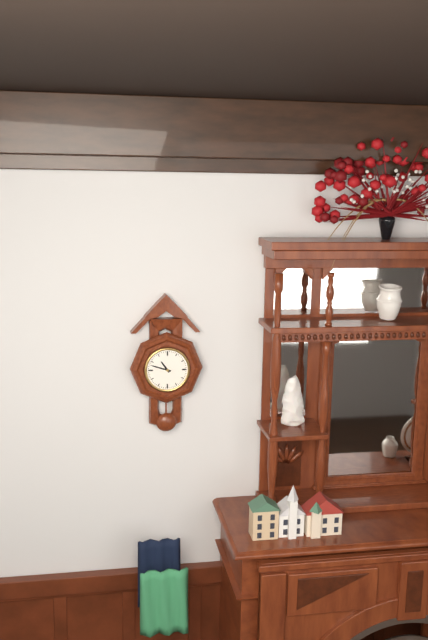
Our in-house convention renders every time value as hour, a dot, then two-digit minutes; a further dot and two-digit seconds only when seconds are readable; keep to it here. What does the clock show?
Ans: 10.48
